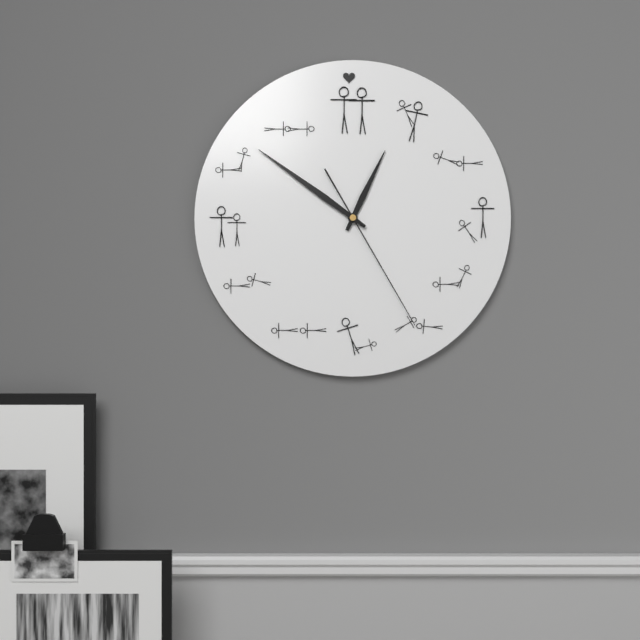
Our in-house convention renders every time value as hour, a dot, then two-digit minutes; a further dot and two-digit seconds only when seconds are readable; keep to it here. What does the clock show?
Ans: 12.51.25
